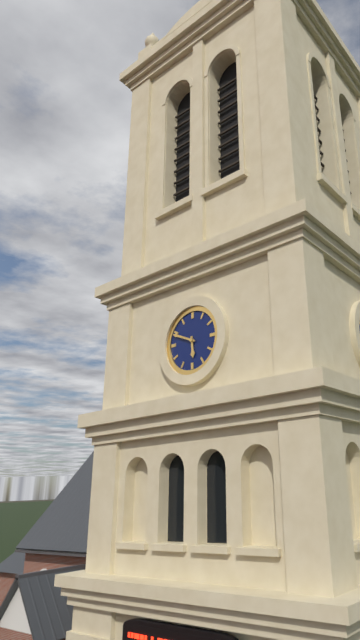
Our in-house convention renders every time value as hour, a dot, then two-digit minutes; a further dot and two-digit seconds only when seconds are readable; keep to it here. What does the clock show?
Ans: 5.49
